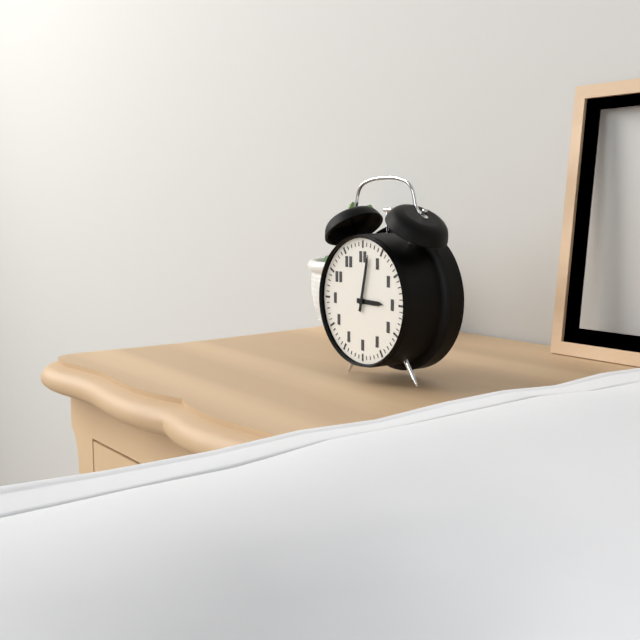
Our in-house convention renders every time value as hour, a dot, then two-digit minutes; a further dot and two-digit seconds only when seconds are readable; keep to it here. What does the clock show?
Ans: 3.02
